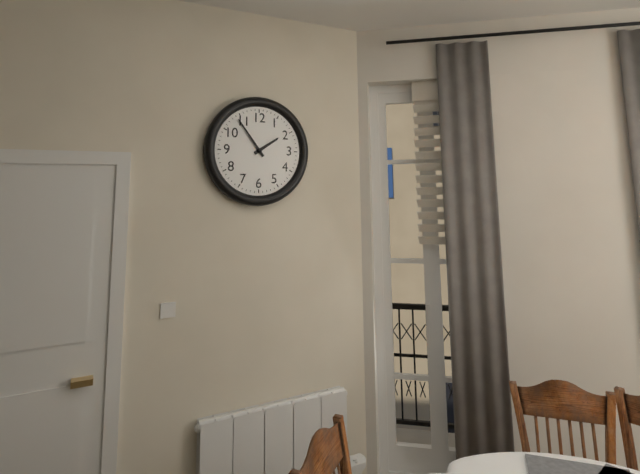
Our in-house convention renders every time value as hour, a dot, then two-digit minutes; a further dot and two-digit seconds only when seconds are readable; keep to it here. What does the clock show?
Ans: 1.54
